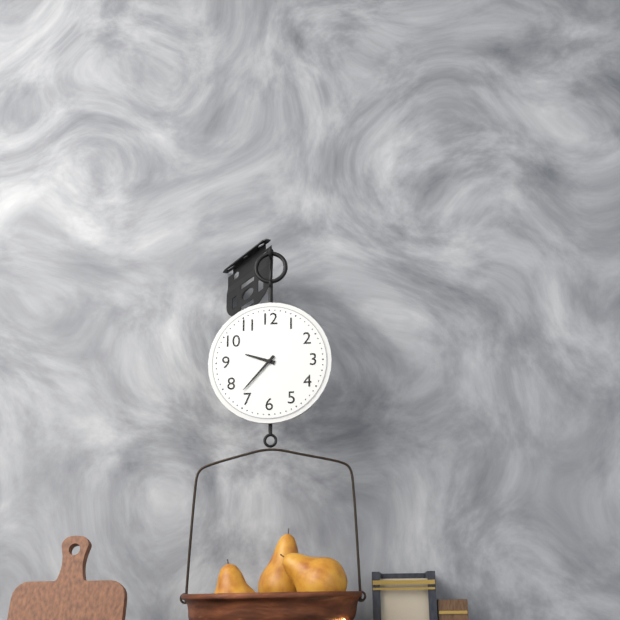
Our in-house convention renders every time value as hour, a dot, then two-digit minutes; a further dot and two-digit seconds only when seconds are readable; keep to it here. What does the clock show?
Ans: 9.37
